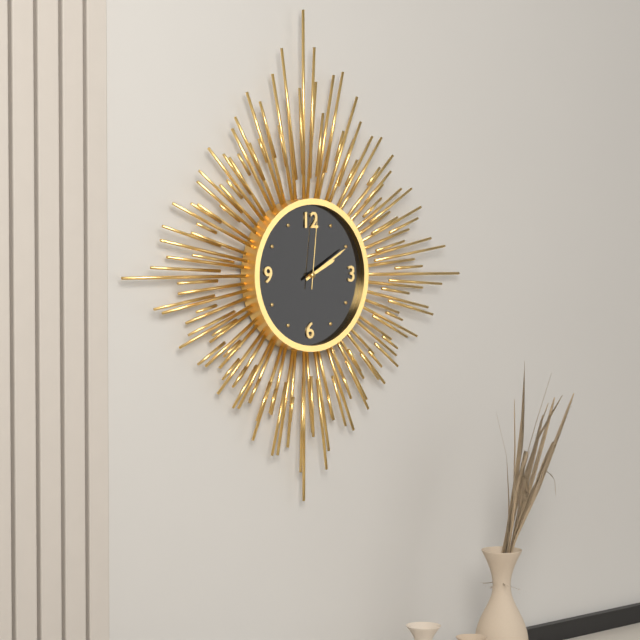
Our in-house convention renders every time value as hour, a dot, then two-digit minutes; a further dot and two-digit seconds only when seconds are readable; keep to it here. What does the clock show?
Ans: 2.10.01
